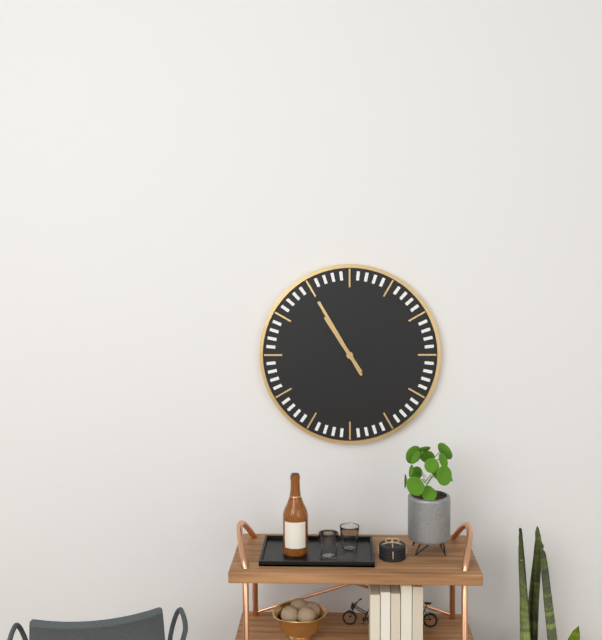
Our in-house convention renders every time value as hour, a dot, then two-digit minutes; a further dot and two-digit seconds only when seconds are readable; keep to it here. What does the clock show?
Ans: 10.55
